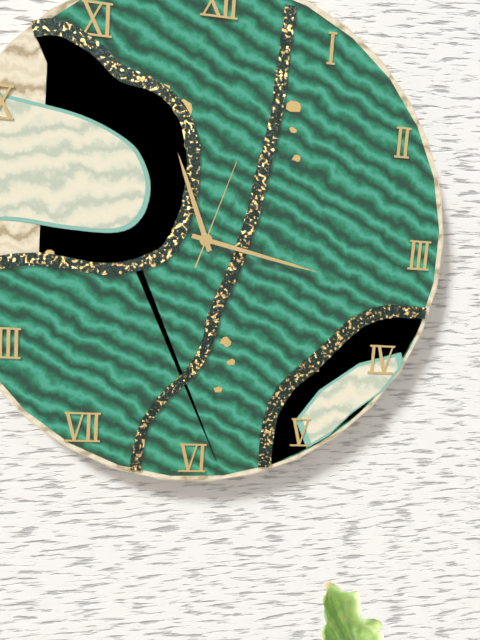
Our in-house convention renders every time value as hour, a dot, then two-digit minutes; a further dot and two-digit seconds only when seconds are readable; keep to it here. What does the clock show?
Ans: 11.17.03
